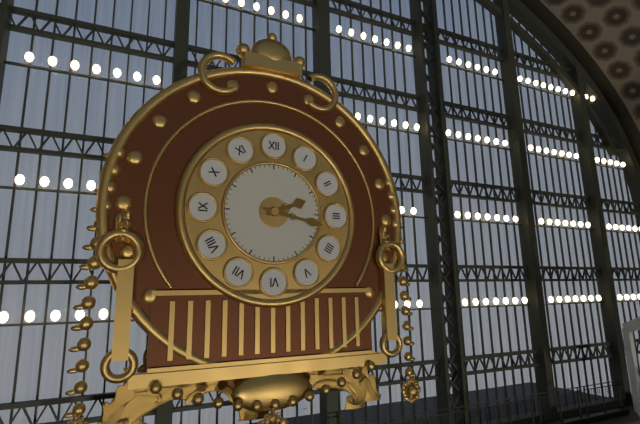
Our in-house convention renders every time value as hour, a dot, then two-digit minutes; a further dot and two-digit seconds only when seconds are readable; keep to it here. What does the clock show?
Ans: 2.17
